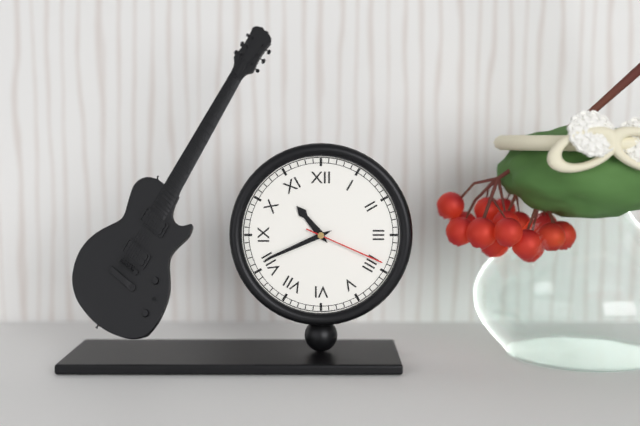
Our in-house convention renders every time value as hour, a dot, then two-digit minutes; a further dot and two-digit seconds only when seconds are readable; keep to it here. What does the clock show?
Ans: 10.41.19
